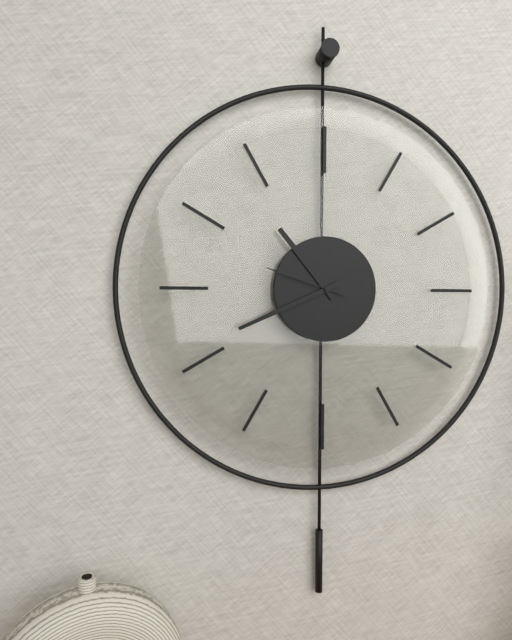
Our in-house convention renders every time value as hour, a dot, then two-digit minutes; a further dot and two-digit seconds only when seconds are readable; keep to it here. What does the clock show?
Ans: 10.41.48
